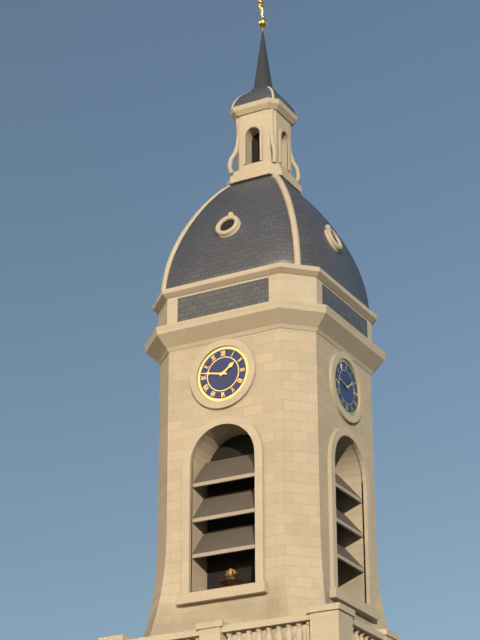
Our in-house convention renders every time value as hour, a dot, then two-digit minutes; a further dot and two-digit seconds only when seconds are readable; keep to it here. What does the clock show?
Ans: 1.47
